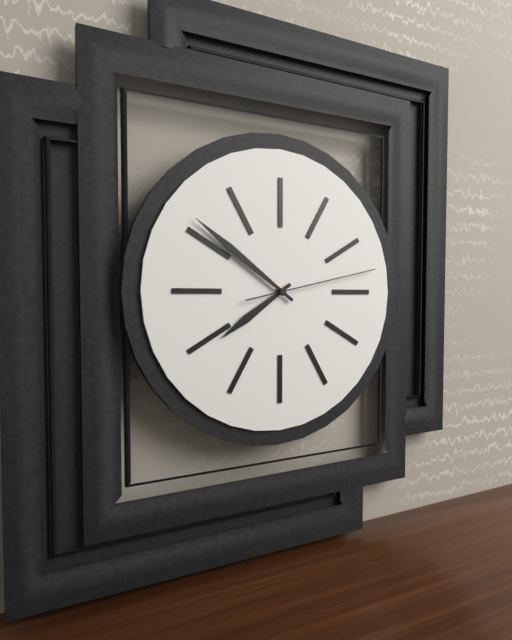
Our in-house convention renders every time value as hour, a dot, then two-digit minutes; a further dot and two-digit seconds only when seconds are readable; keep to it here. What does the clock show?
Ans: 7.51.13
